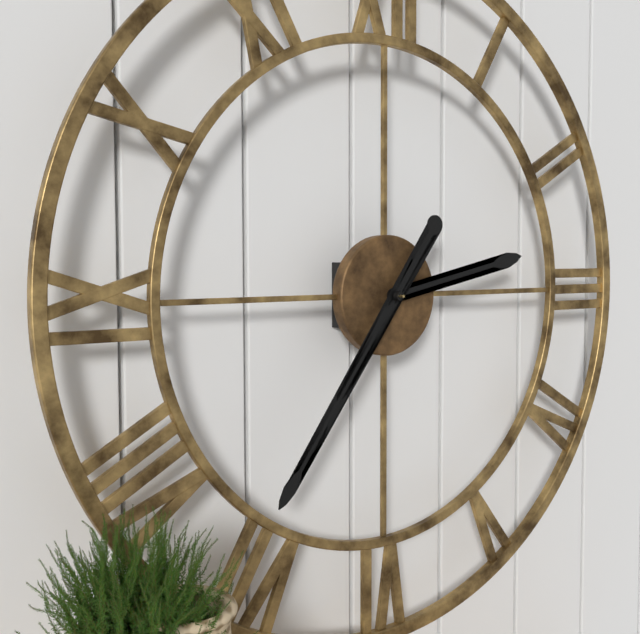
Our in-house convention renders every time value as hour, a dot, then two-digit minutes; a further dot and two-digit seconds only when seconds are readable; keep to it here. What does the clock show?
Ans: 2.36
